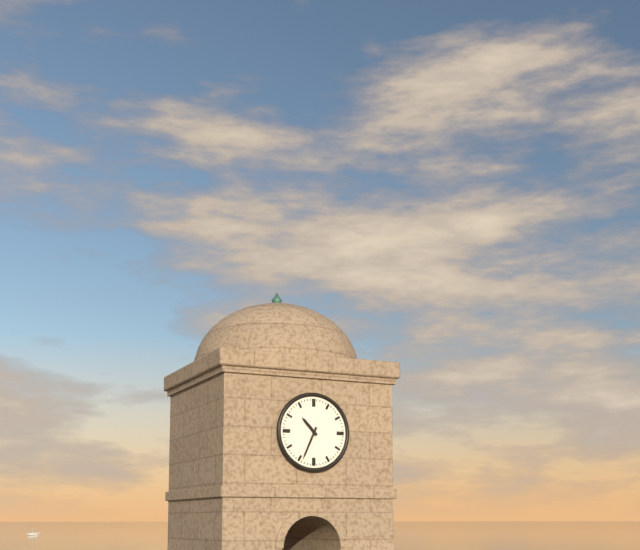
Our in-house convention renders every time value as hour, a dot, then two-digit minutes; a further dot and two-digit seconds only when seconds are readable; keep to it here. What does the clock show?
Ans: 10.34
